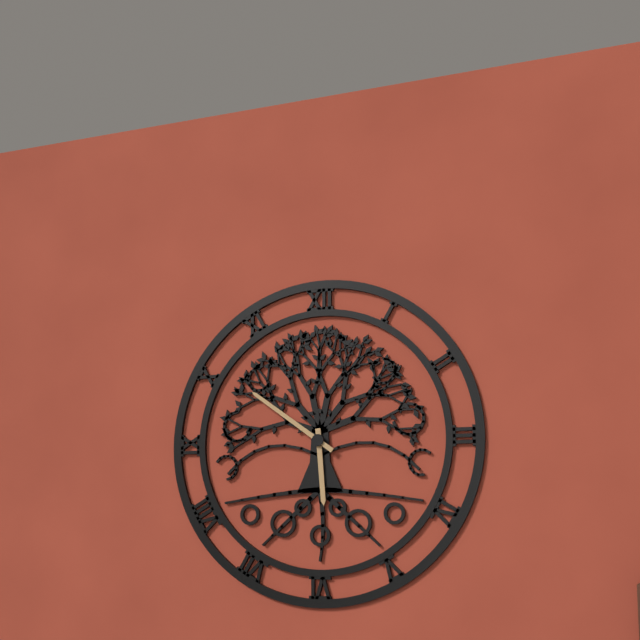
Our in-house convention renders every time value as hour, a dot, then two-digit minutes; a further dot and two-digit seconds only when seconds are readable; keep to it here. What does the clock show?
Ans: 5.51
